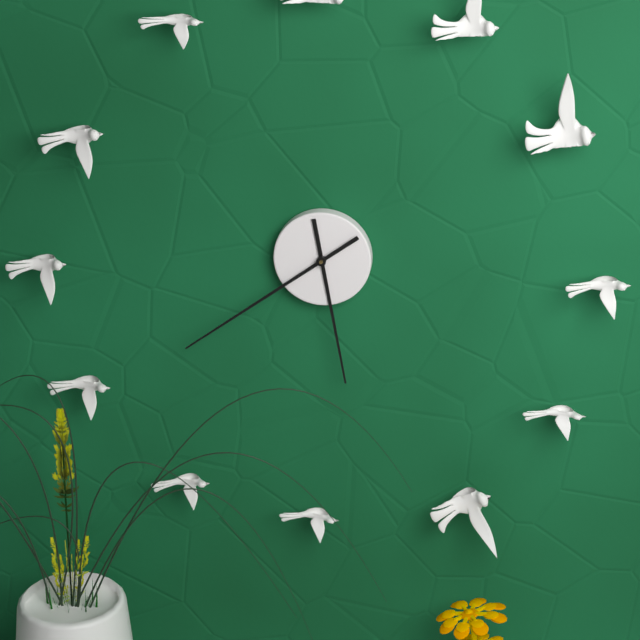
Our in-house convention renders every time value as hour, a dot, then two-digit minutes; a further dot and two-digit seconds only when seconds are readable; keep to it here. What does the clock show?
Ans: 5.39
